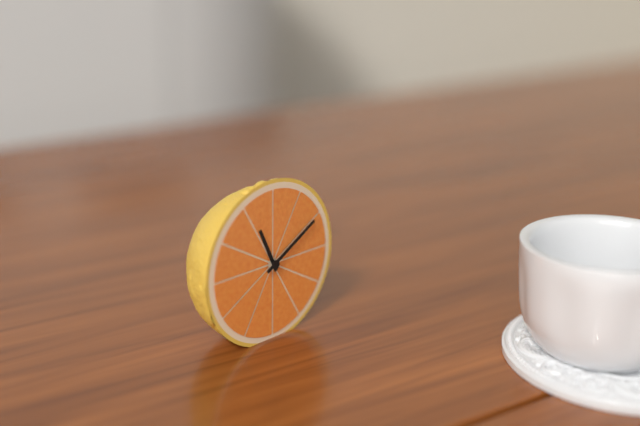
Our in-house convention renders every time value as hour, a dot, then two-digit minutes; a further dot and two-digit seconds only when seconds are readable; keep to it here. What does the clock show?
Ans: 11.10
